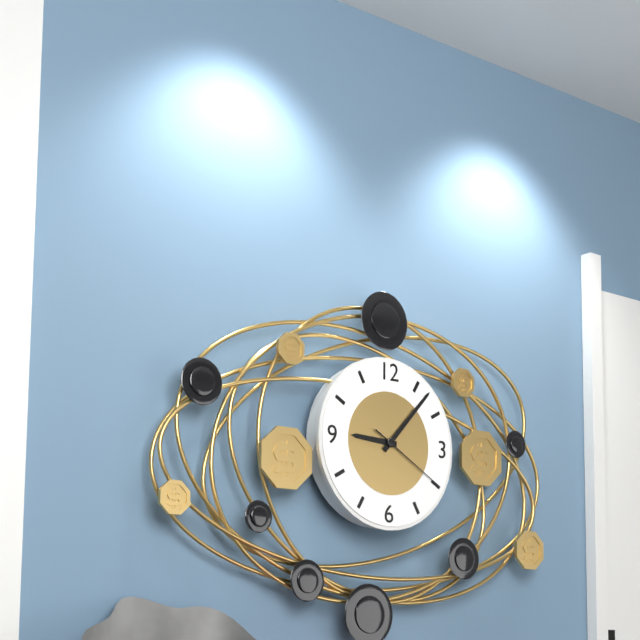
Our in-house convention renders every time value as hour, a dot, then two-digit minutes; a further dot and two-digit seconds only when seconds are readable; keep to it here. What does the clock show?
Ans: 9.07.20
